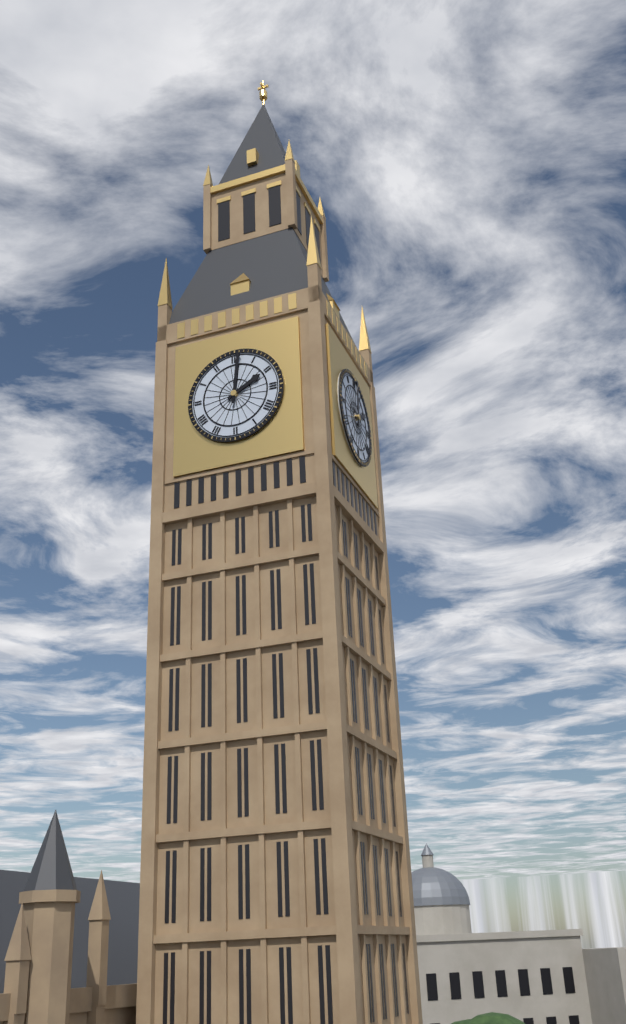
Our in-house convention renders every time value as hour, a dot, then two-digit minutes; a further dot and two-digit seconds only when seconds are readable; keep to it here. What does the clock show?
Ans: 2.01
